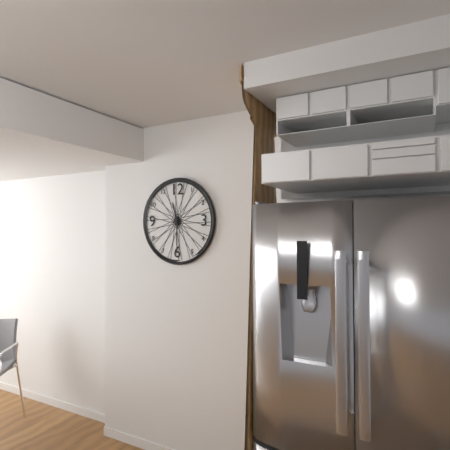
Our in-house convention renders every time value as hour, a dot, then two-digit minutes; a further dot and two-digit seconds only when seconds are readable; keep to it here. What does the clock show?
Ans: 11.30
